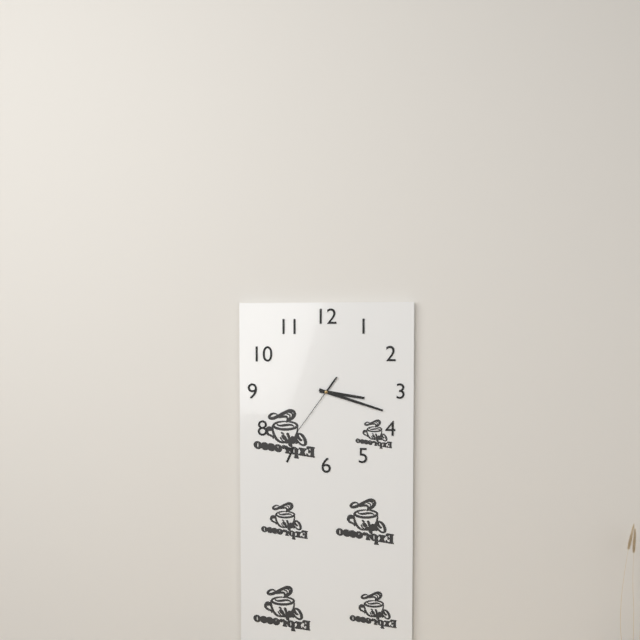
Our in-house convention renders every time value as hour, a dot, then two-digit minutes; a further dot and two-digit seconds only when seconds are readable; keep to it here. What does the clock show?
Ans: 3.18.36
